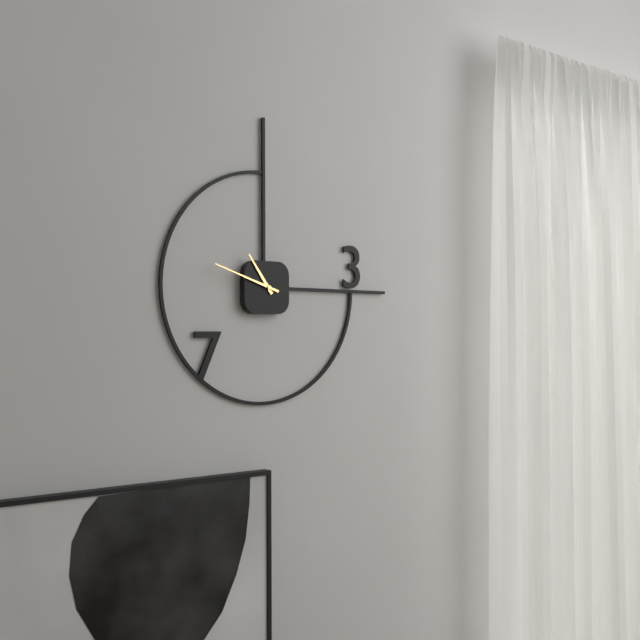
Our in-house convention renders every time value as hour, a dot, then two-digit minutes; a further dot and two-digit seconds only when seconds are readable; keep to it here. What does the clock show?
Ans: 10.48
